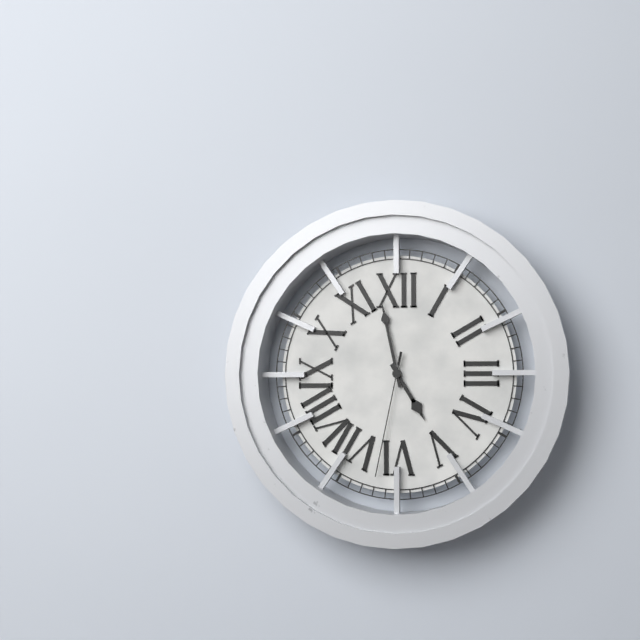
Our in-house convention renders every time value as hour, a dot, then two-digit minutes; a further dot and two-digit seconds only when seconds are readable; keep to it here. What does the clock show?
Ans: 4.58.32
